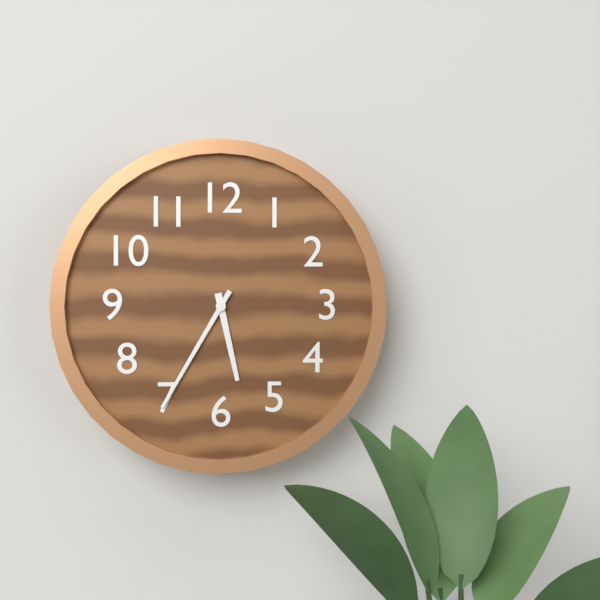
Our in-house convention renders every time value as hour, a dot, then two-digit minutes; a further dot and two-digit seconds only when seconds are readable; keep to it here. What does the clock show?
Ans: 5.35
